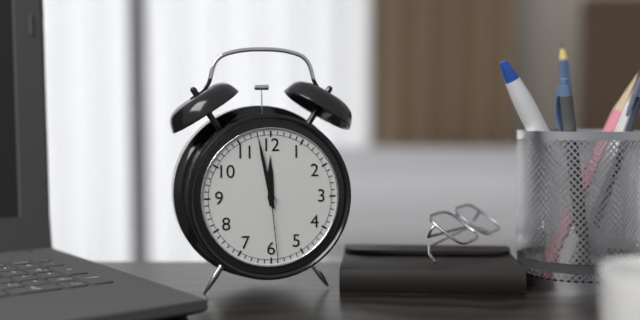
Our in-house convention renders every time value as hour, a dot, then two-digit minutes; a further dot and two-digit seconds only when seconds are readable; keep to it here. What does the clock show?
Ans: 11.58.29
